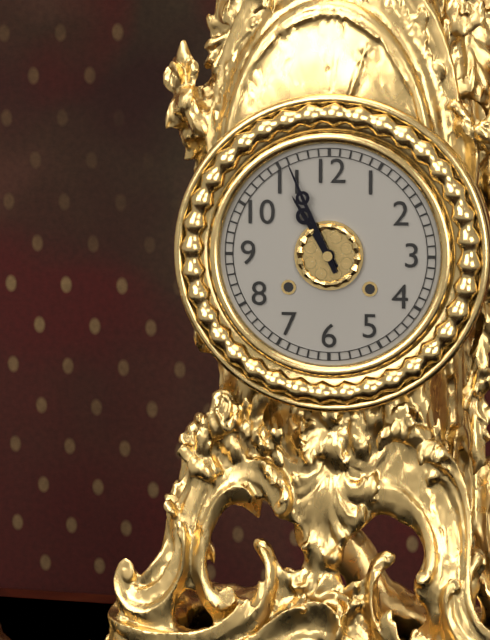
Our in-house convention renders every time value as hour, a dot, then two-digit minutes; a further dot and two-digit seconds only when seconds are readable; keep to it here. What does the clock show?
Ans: 10.56
